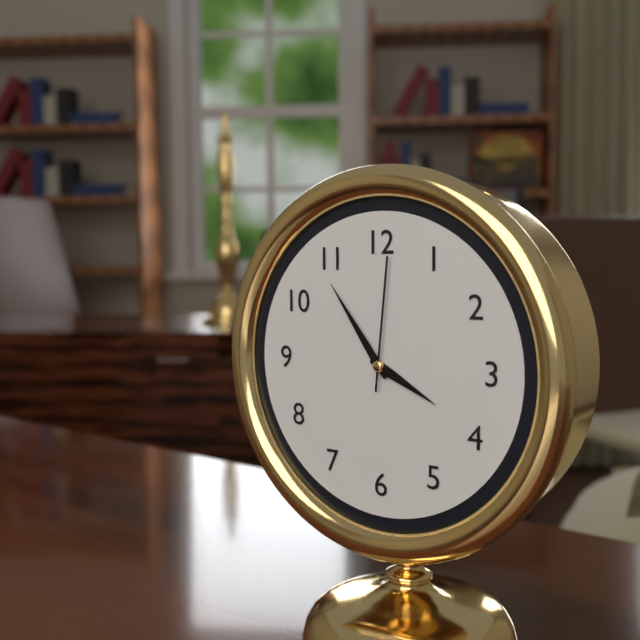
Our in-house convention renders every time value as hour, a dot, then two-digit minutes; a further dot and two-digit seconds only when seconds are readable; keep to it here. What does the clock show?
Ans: 3.54.01
